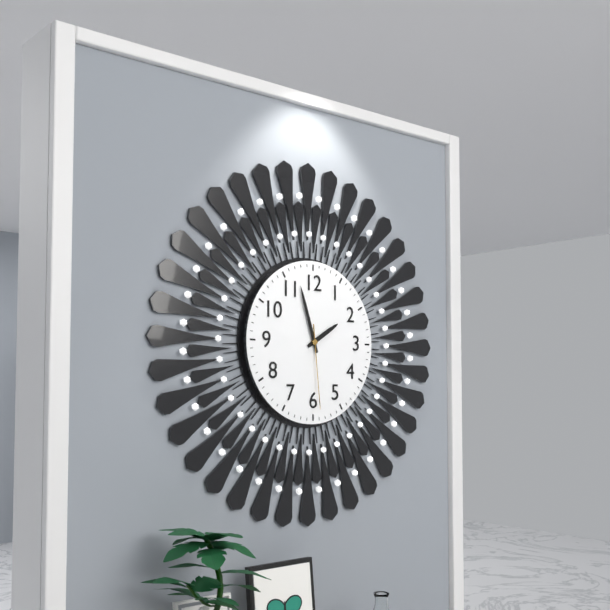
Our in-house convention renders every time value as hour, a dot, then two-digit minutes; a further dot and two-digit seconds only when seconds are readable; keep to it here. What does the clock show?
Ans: 1.57.29
